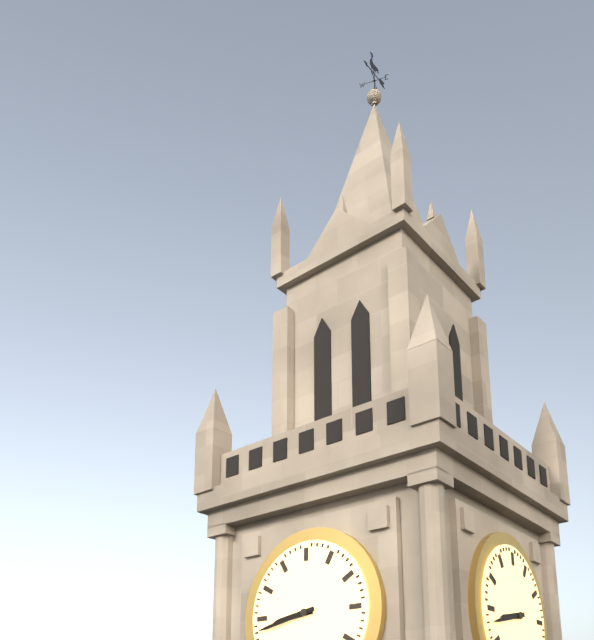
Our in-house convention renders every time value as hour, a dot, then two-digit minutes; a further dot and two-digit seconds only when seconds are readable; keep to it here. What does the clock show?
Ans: 8.43
